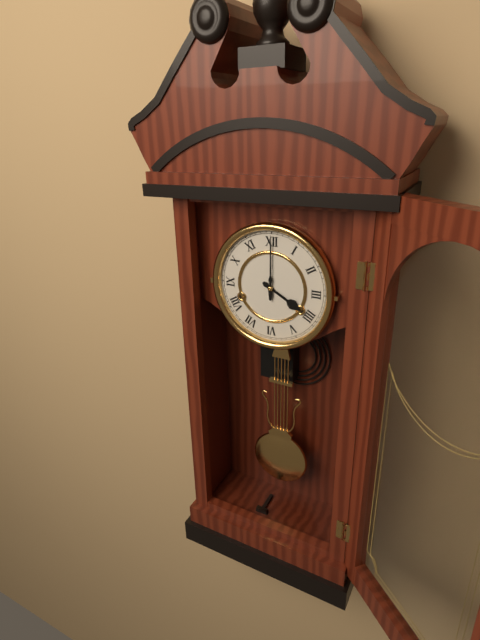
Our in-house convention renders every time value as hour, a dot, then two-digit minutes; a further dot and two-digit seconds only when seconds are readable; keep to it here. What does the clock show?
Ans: 4.00
